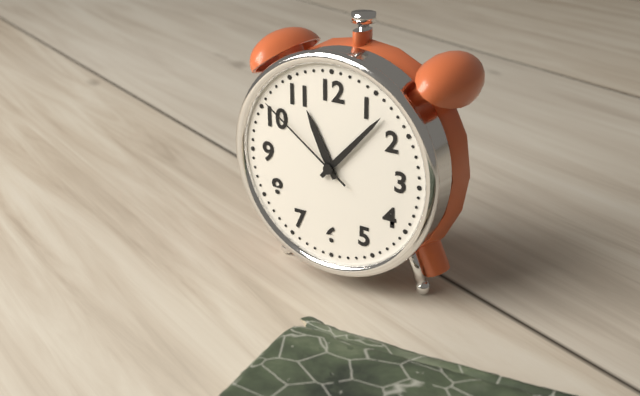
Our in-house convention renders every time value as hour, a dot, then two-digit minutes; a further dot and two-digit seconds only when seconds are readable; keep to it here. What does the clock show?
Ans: 11.07.51
